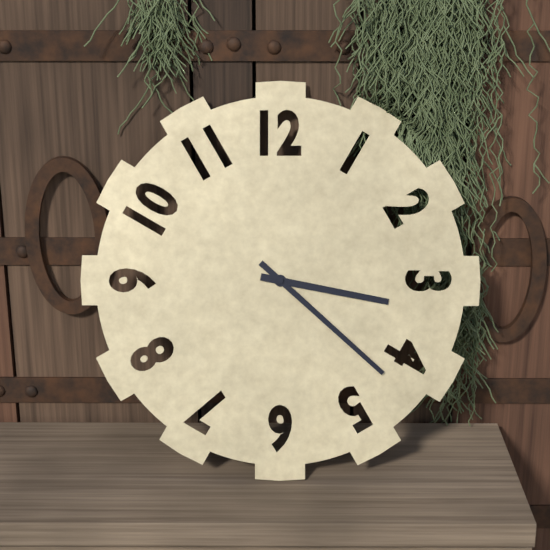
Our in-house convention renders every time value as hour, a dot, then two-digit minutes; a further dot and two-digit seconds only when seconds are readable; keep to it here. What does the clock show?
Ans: 3.22
